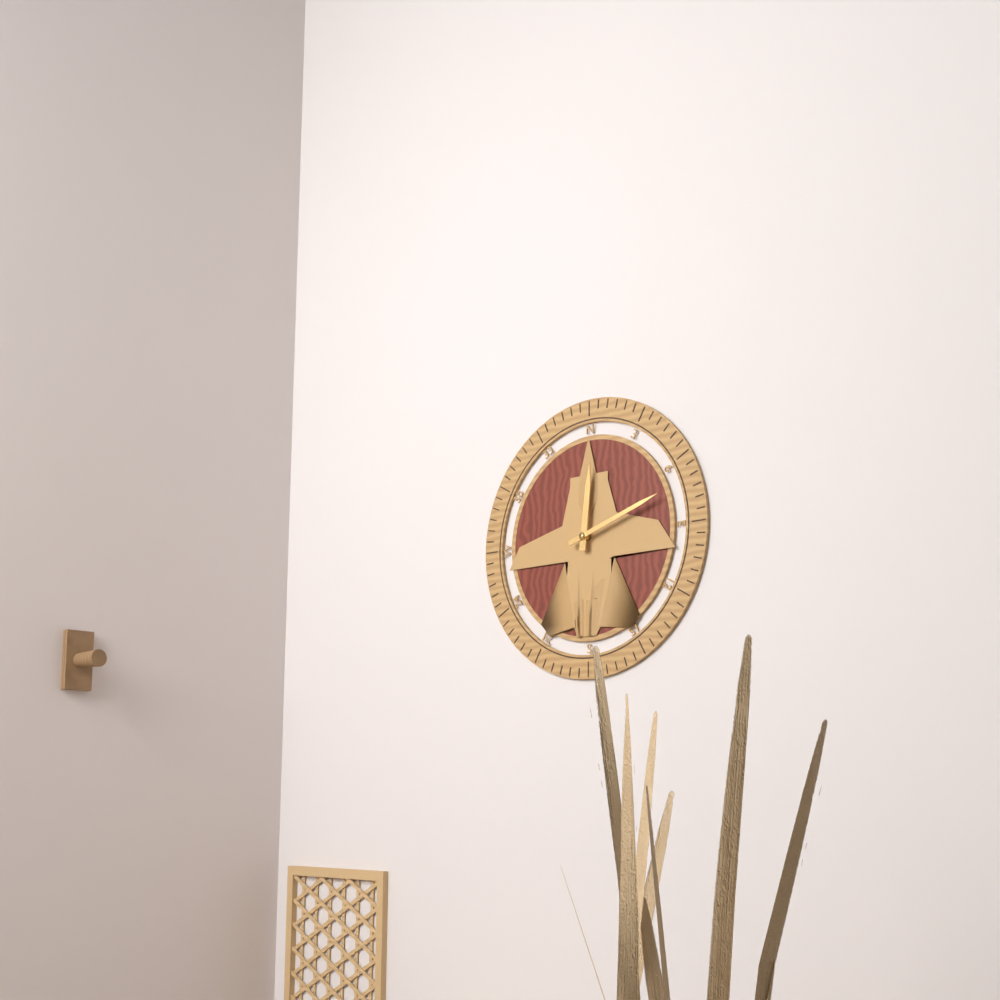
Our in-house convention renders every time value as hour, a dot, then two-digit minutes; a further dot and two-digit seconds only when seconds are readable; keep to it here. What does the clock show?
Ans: 12.12
